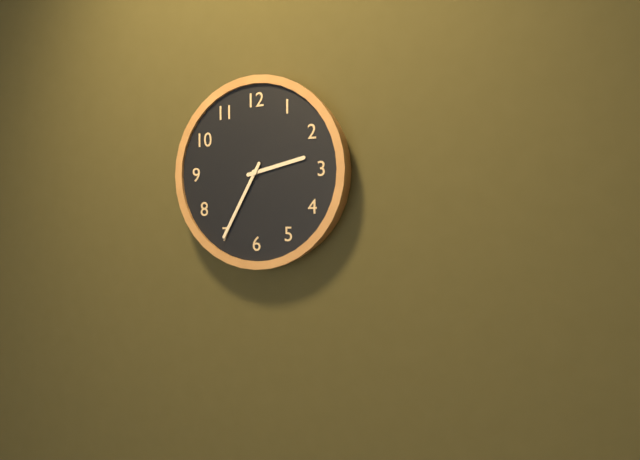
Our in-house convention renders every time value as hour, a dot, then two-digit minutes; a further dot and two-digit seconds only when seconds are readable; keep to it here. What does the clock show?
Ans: 2.35
